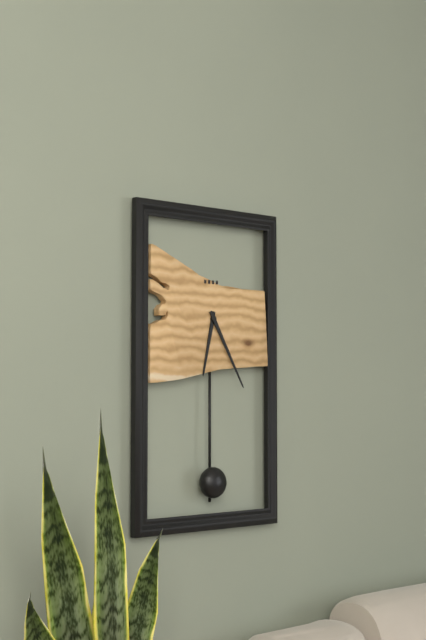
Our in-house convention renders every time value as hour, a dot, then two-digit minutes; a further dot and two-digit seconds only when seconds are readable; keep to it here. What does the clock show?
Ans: 6.25
